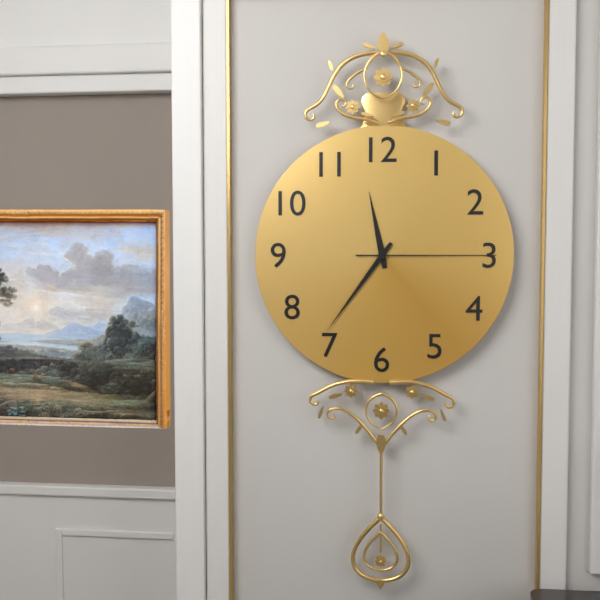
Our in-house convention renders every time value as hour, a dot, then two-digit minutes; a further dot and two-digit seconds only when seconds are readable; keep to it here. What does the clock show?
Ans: 11.36.15
